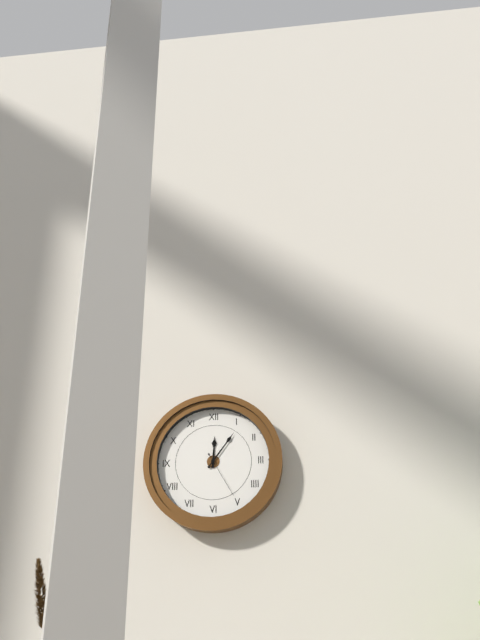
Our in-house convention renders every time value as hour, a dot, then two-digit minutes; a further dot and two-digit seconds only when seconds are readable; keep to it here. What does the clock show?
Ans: 12.06
